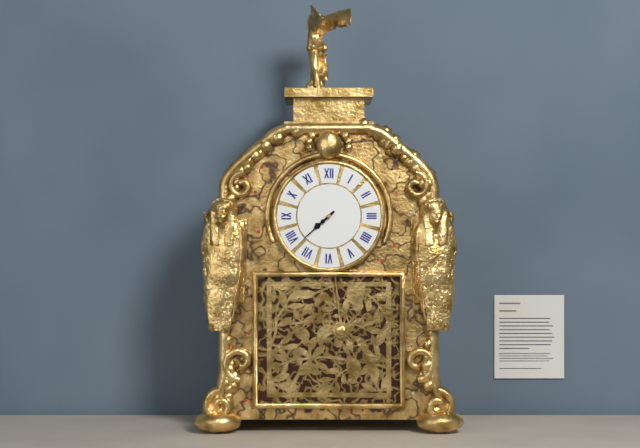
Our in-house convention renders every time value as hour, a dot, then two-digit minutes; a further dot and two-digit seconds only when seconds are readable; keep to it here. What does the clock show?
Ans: 7.38
